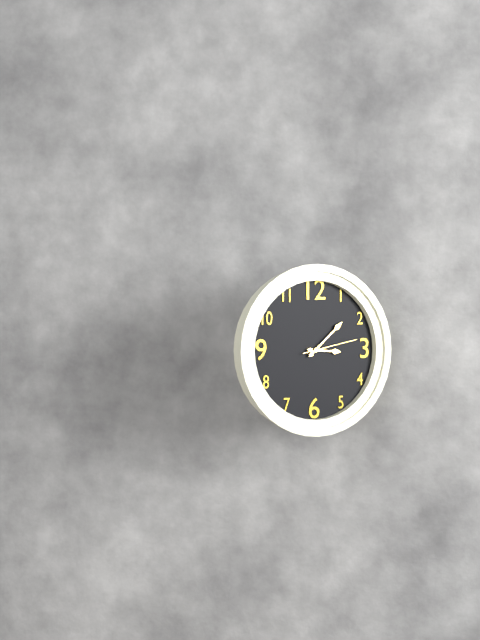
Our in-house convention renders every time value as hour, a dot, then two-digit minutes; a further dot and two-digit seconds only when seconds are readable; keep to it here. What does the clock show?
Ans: 3.08.13
